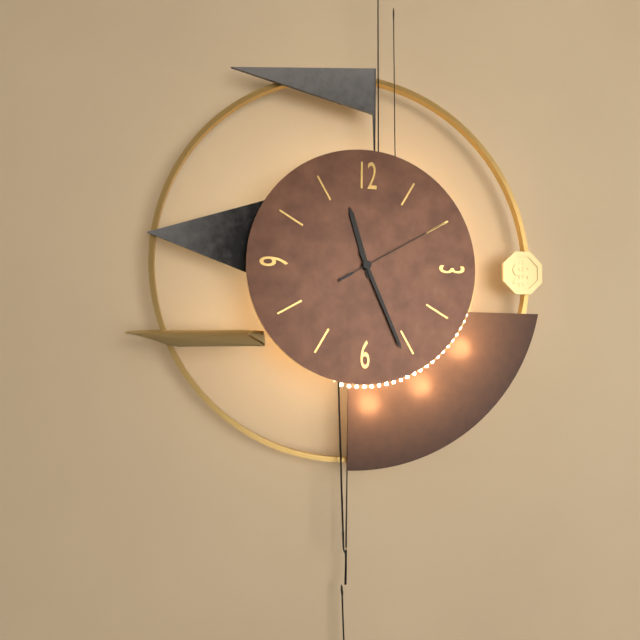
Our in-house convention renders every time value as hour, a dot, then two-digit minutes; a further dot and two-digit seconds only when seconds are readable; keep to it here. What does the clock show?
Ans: 11.26.10
